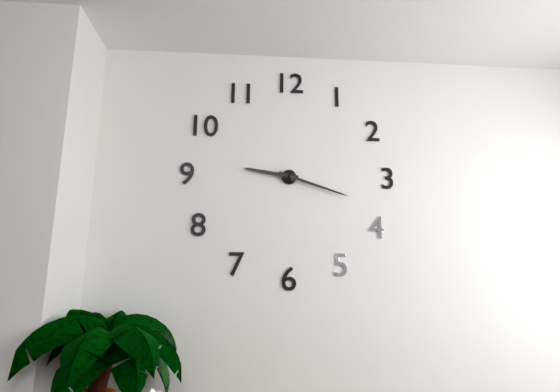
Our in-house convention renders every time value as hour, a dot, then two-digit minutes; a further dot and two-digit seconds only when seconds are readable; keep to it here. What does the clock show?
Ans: 9.18
